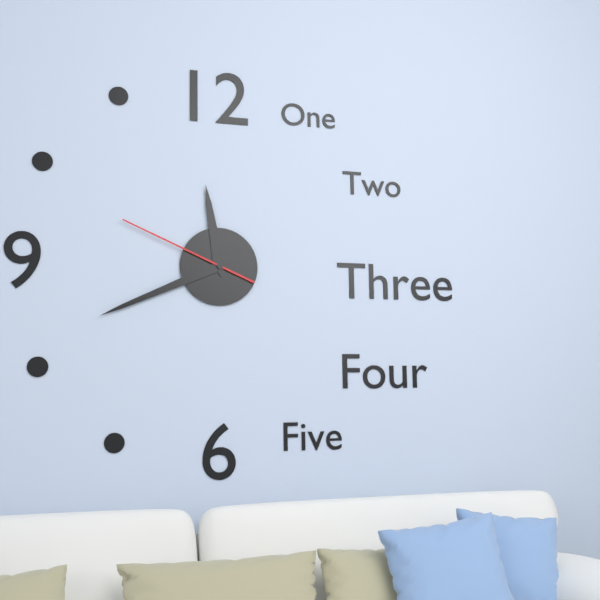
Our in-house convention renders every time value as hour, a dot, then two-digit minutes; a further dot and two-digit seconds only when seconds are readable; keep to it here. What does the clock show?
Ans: 11.41.49
